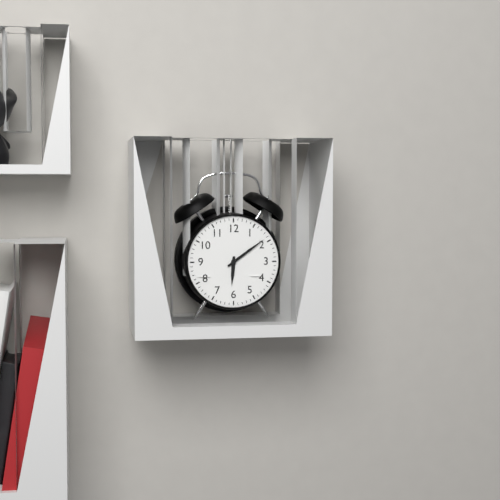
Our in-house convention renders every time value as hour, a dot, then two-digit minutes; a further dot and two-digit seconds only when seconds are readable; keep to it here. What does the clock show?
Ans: 6.09
